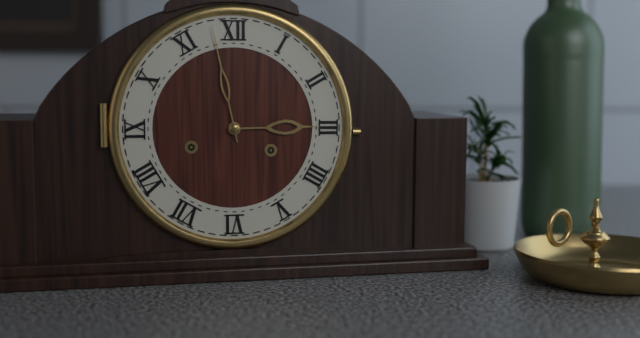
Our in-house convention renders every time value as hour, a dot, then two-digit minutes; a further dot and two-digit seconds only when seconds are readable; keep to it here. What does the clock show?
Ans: 2.58
